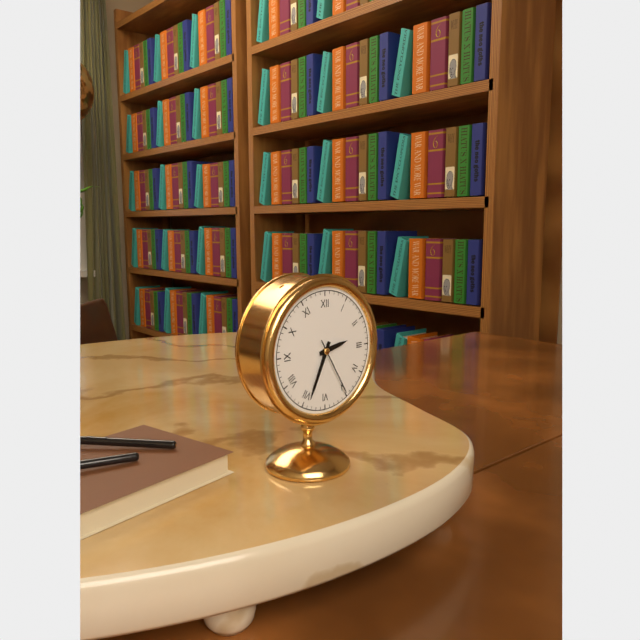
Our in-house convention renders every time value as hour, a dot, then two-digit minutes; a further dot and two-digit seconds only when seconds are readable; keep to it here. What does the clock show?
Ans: 2.34.25
